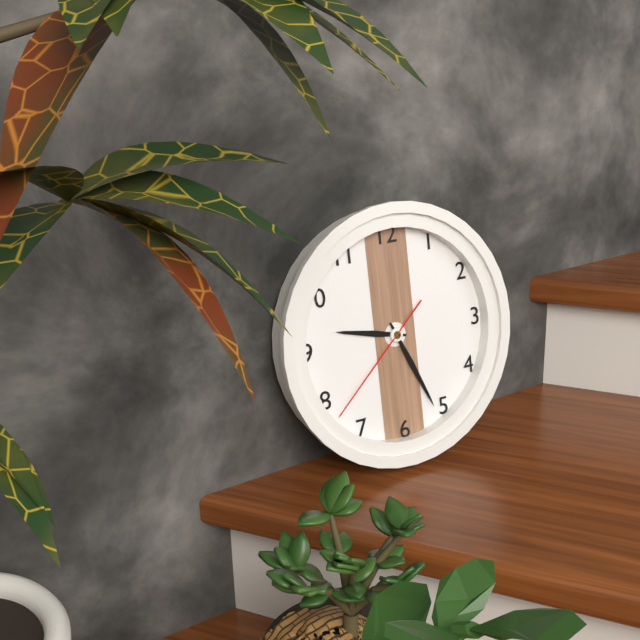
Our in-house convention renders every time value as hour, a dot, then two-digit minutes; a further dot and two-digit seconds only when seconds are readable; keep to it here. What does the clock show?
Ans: 9.26.38
